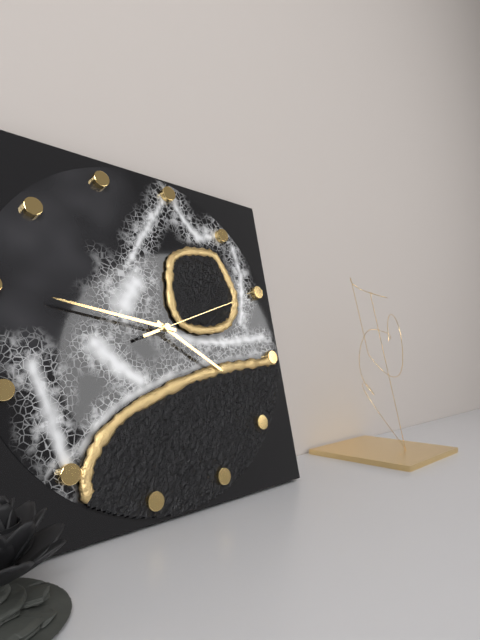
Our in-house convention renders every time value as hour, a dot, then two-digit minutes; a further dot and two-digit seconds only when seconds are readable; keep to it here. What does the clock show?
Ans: 3.45.10
